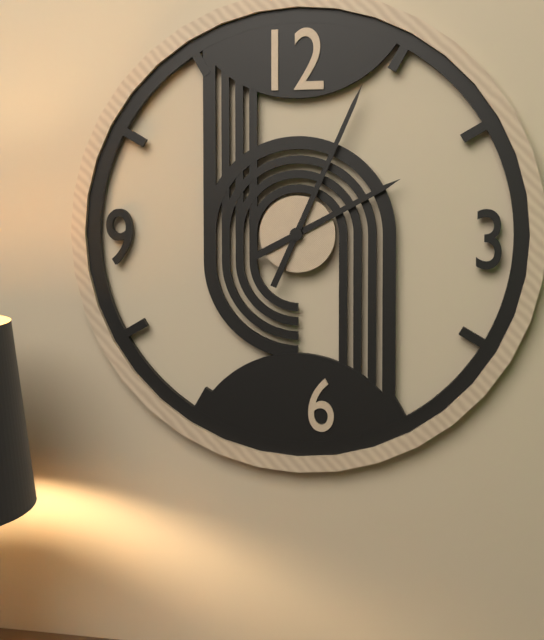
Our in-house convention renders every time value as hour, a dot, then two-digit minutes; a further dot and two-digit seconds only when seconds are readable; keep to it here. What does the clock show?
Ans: 2.04
